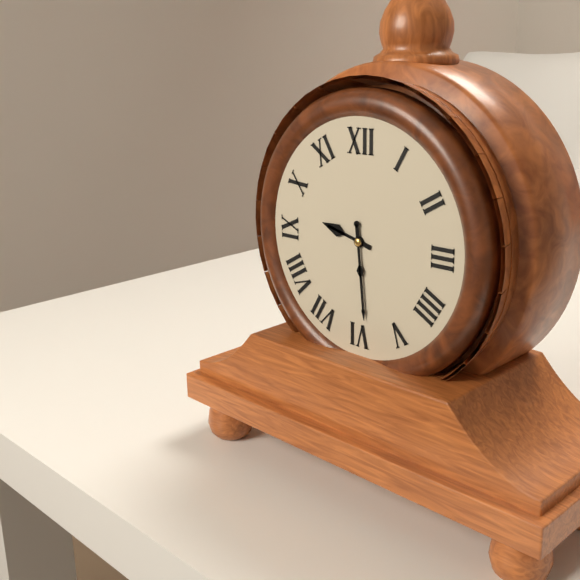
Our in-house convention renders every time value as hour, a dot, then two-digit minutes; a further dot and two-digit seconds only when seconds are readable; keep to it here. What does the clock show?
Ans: 9.29
